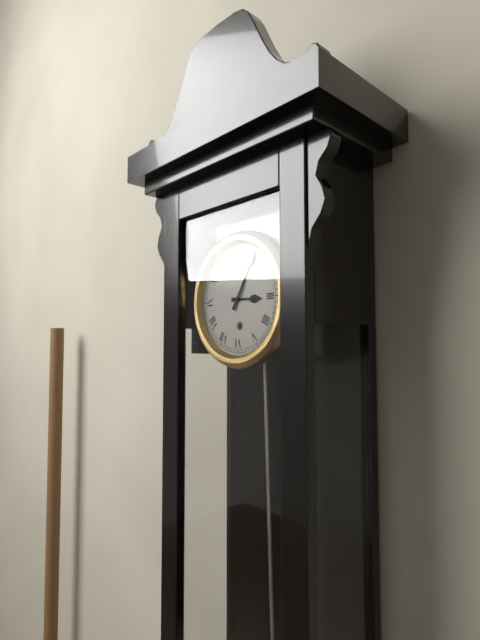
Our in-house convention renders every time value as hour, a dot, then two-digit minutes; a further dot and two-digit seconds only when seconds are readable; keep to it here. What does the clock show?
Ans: 3.05
